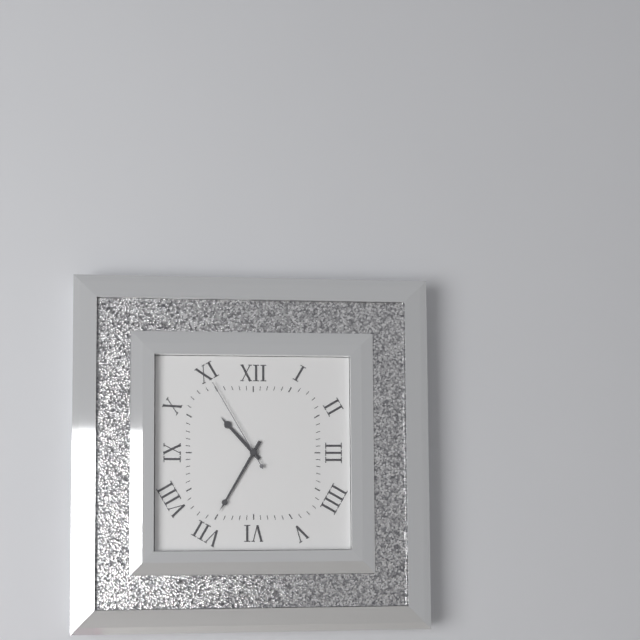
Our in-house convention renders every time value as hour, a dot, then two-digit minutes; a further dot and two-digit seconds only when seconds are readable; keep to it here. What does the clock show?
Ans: 10.35.55
